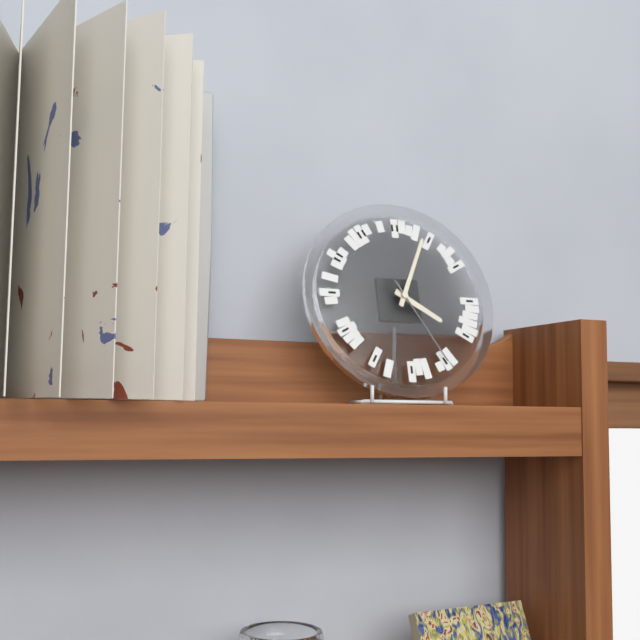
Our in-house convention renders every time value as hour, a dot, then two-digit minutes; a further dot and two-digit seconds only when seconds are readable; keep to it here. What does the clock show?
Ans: 4.04.25
